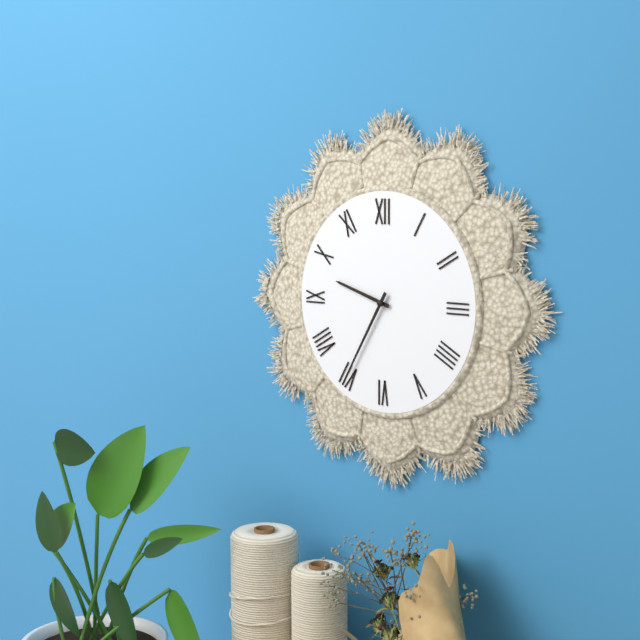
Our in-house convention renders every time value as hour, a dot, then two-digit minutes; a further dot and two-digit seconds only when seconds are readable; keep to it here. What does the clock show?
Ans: 9.35
